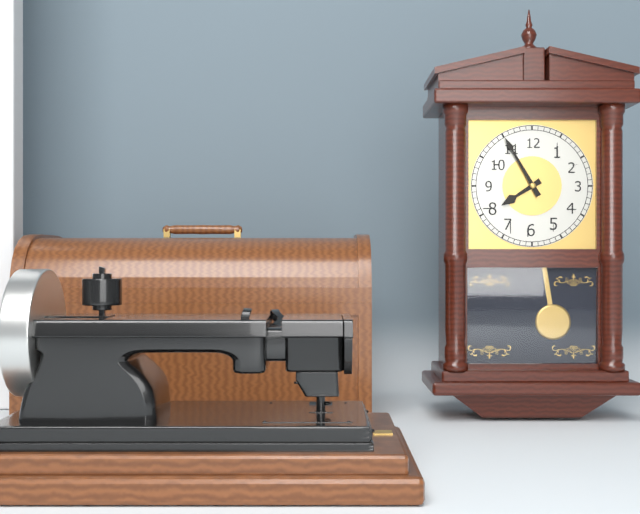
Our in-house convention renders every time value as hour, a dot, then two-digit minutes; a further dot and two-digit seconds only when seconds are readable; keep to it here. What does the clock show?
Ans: 7.55
